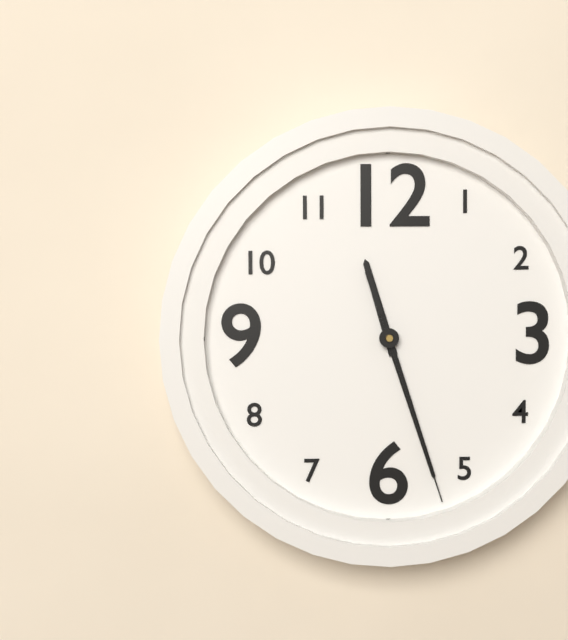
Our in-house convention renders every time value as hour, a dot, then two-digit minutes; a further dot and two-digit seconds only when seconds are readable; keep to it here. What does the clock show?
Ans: 11.27.27
